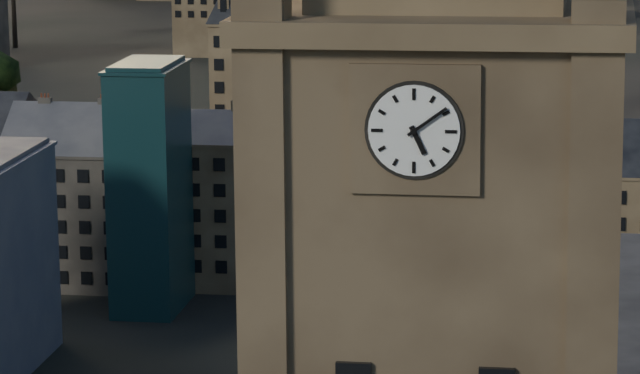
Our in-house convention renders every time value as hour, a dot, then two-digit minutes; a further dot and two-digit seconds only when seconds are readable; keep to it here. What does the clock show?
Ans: 5.09
